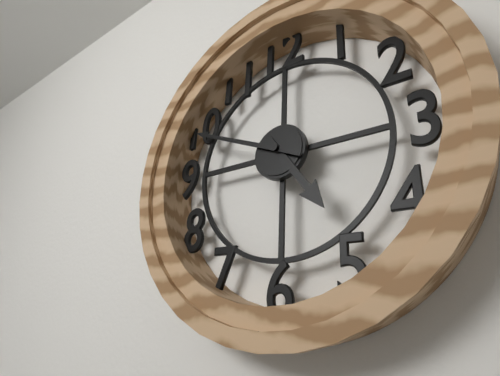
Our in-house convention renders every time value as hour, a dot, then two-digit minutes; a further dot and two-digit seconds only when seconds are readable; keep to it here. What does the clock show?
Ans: 4.49
